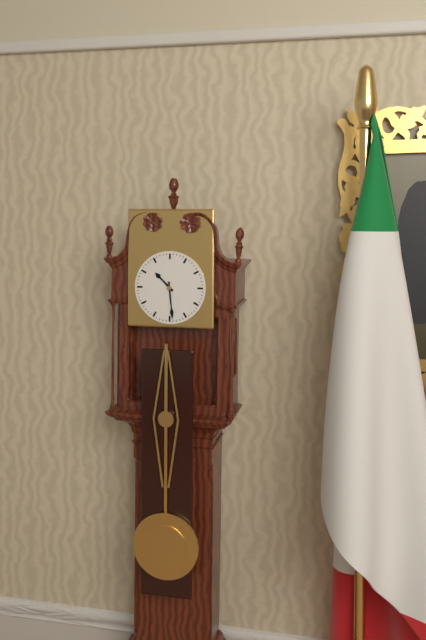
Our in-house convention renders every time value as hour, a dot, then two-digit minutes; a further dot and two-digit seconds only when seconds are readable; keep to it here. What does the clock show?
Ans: 10.29
